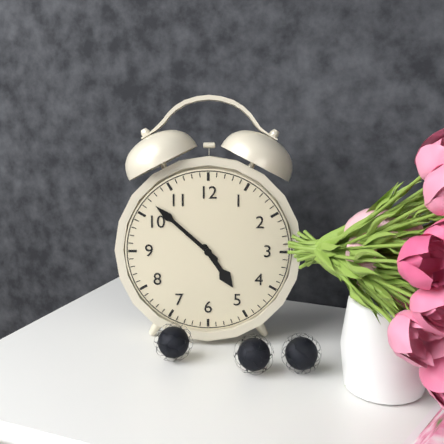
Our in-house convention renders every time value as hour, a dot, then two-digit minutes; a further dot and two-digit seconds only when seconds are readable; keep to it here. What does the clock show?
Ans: 4.52
